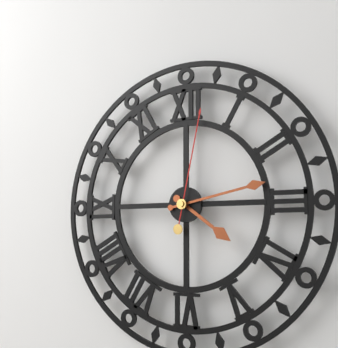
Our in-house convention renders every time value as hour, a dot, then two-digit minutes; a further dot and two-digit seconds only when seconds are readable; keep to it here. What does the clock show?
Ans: 4.13.02
